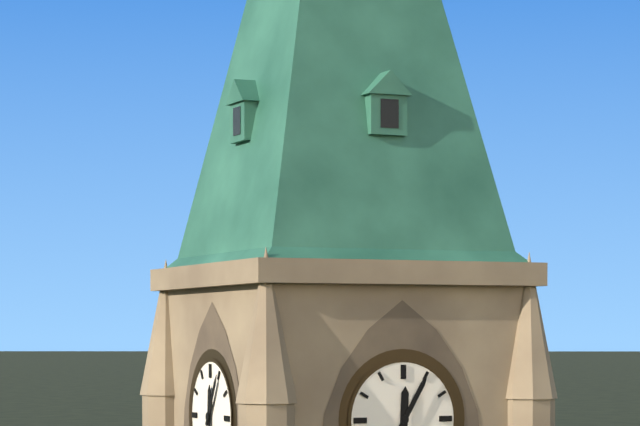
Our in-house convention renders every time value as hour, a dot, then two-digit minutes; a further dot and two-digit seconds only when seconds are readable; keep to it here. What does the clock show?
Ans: 12.05
